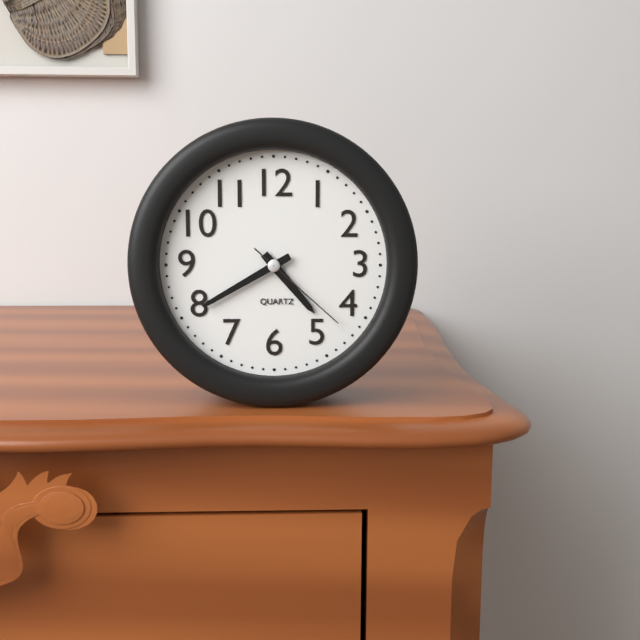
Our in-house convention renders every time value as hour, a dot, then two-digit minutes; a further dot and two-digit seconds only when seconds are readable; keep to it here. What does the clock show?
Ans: 4.40.22
